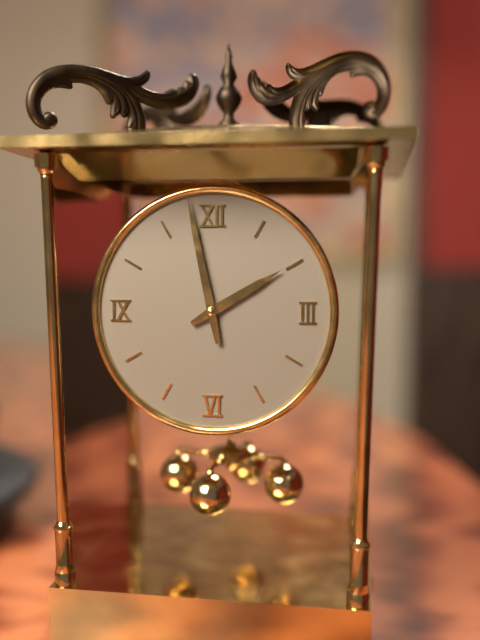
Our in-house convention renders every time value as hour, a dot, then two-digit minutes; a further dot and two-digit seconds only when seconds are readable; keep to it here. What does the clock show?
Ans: 1.58
